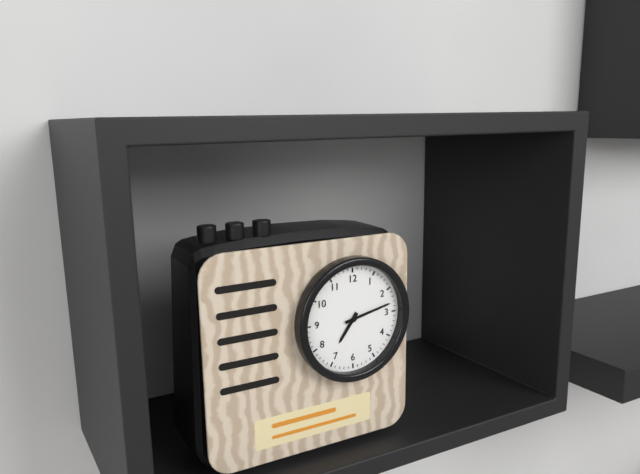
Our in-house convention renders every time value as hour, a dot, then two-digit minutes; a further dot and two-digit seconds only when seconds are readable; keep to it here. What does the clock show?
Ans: 7.13
